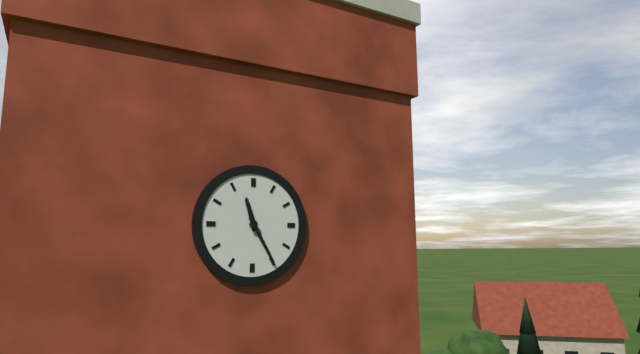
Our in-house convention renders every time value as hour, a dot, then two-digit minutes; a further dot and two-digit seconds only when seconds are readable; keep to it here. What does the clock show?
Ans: 11.25
